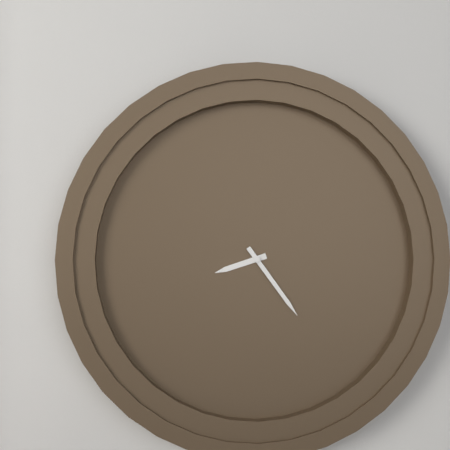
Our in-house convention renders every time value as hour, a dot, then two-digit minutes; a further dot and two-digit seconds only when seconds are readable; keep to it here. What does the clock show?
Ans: 8.24
